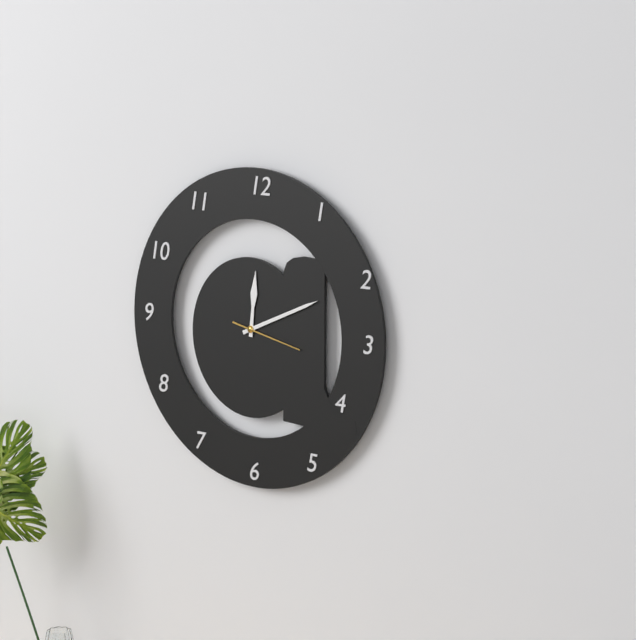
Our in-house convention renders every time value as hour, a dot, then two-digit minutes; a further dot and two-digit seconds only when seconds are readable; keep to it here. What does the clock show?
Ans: 12.11.17
